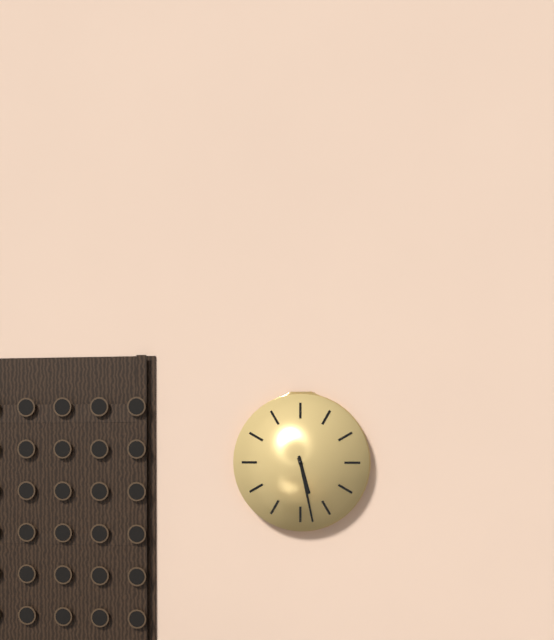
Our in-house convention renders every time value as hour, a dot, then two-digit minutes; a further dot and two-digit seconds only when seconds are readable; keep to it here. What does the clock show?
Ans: 5.28
